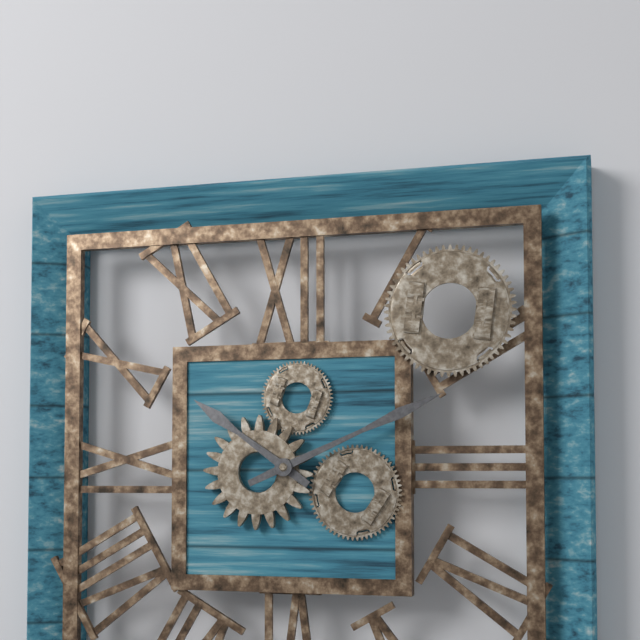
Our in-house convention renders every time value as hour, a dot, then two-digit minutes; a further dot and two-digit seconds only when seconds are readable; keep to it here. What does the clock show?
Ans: 10.11
